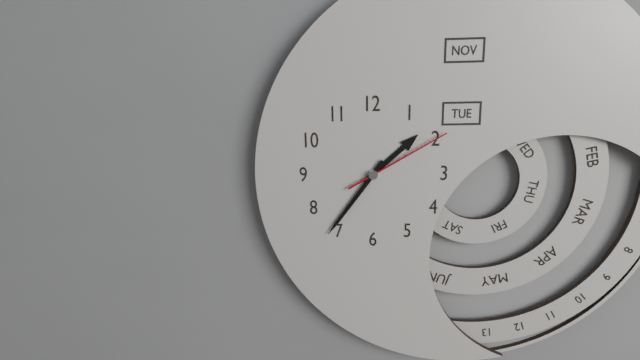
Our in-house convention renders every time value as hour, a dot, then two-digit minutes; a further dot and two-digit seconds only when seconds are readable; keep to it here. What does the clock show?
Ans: 1.36.10
